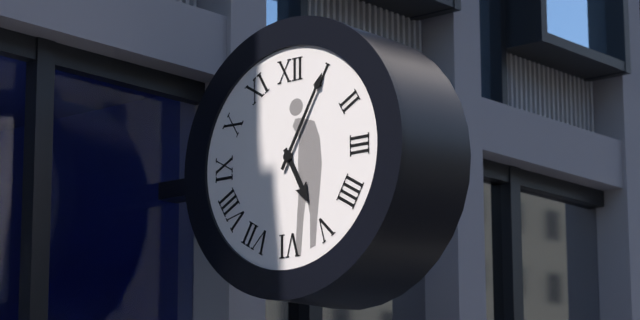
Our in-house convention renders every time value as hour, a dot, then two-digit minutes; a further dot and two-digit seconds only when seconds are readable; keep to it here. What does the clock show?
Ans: 5.05
